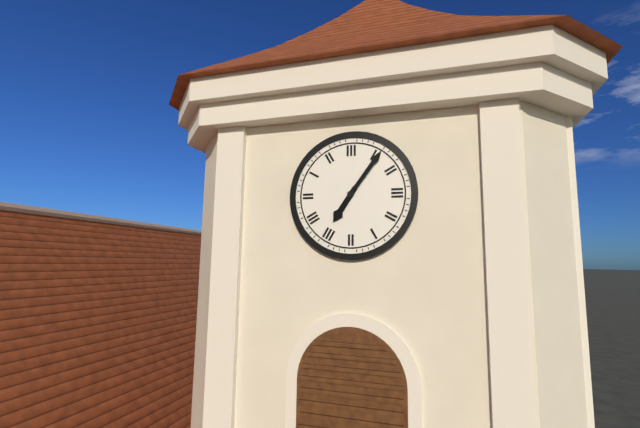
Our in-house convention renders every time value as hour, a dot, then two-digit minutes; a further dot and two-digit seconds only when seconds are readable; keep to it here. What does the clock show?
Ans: 7.06
